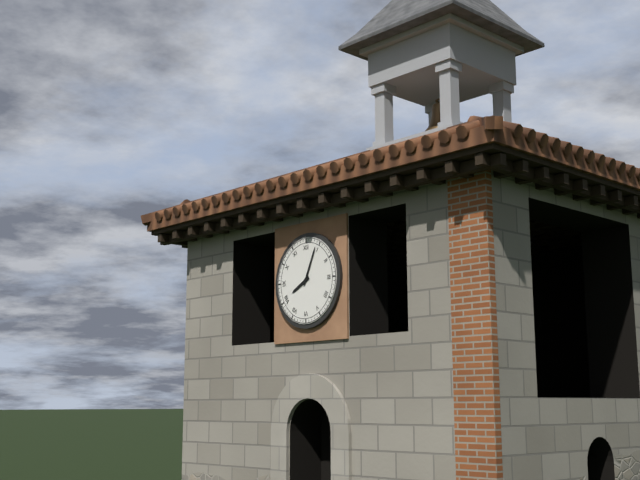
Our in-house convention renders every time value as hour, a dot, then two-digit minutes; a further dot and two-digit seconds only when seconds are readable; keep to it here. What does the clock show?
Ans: 8.04
